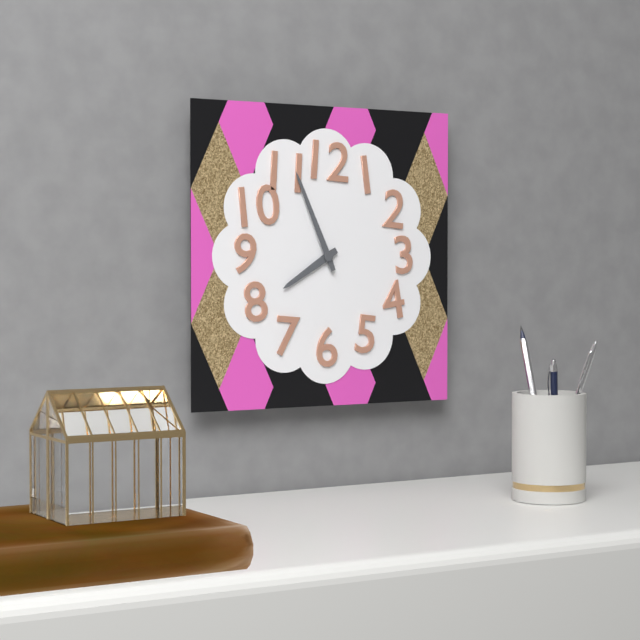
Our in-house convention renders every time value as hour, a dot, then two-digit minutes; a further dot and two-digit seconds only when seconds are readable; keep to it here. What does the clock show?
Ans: 7.56
